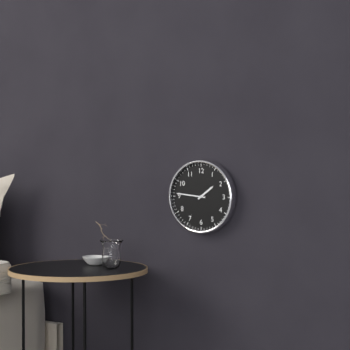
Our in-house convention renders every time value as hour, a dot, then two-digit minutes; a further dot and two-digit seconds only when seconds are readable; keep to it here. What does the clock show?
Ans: 1.46
